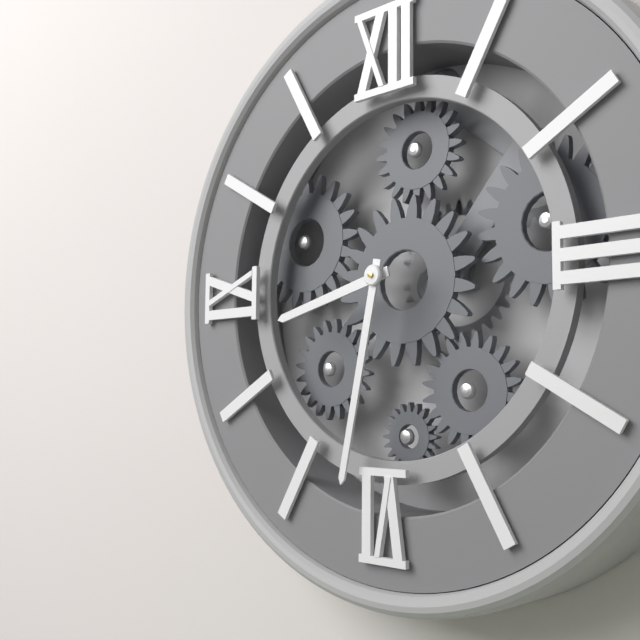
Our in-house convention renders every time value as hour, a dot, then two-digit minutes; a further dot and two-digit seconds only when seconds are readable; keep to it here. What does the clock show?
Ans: 8.32
